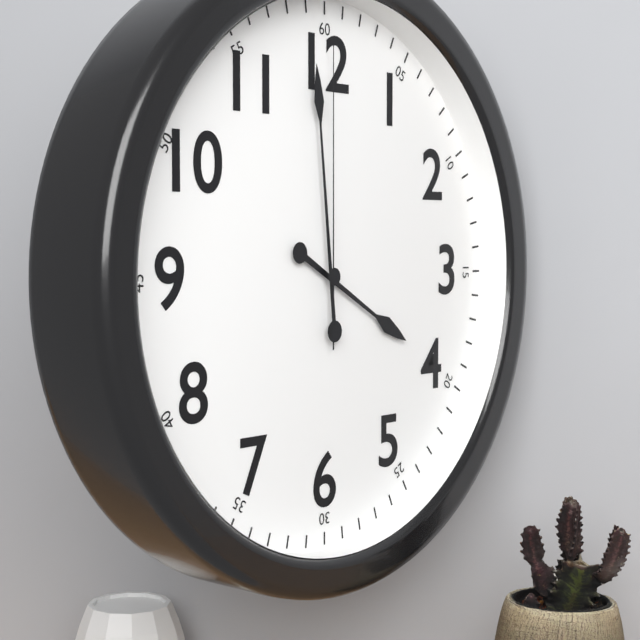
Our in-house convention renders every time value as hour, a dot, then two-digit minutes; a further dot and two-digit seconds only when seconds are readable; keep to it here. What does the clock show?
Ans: 3.59.00
